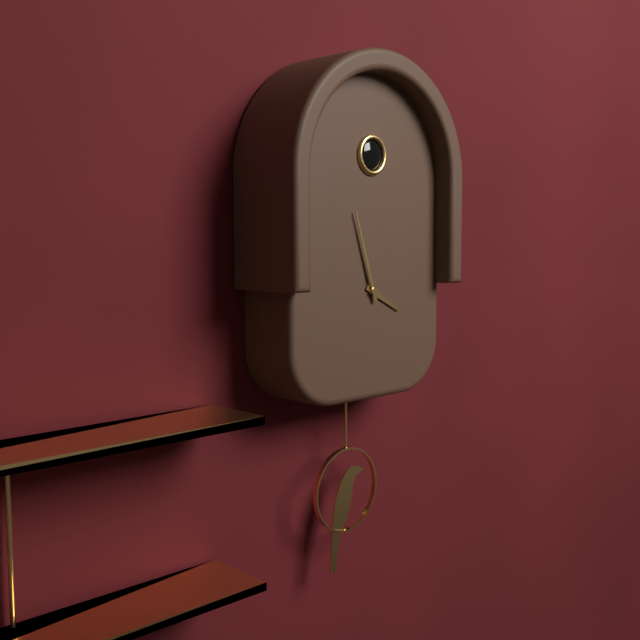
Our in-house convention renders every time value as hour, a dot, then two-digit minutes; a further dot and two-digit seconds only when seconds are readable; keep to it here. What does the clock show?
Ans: 3.57
